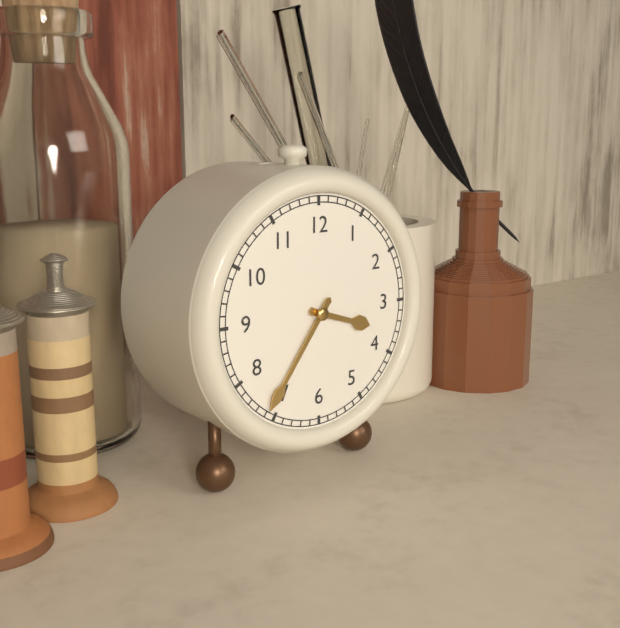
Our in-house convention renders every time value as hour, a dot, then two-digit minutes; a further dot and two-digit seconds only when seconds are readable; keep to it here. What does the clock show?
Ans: 3.36
